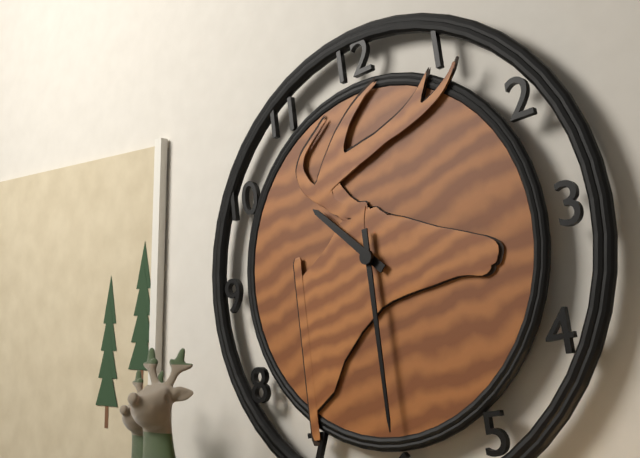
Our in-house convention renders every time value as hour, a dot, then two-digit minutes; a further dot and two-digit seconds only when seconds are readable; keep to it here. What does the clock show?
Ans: 10.30
